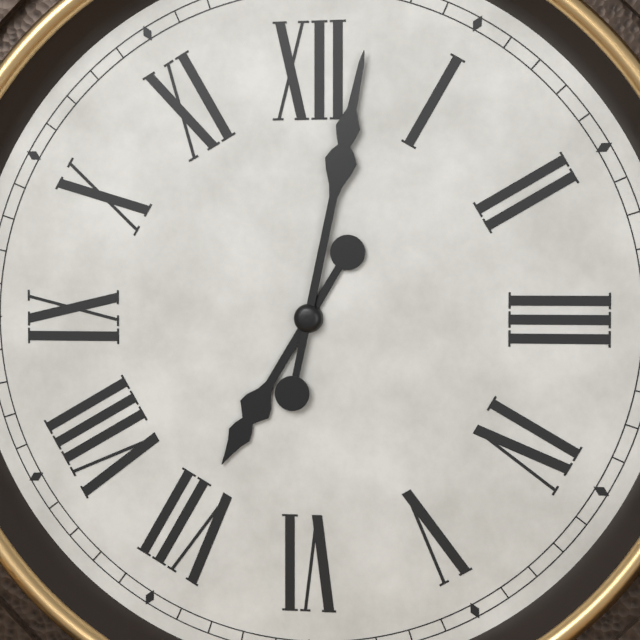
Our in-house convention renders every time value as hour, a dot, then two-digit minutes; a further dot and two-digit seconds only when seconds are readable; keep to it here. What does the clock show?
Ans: 7.02
